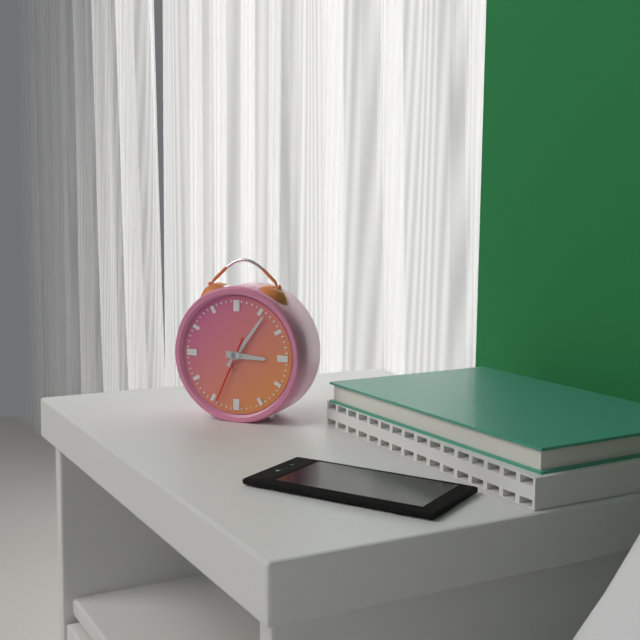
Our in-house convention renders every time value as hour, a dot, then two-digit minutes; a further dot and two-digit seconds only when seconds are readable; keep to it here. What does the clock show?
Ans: 3.06.34
